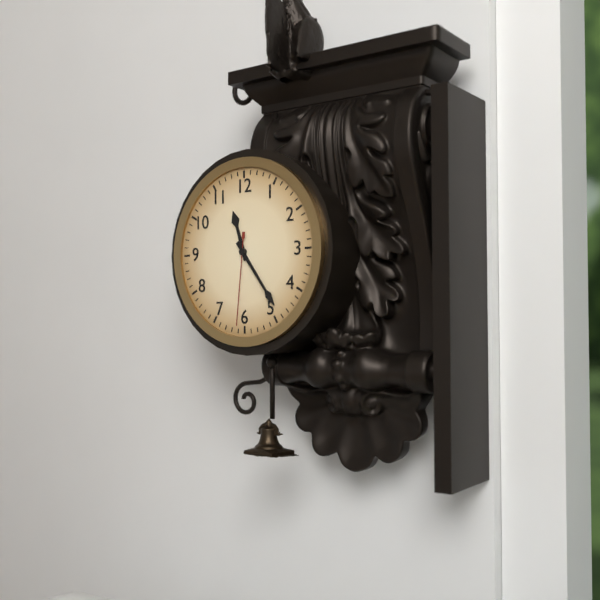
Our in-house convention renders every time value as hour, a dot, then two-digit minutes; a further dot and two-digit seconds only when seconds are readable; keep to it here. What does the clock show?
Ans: 11.24.31
